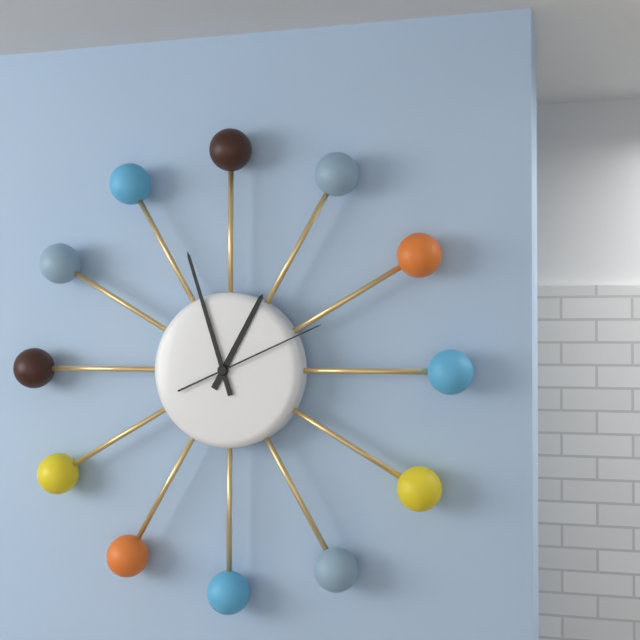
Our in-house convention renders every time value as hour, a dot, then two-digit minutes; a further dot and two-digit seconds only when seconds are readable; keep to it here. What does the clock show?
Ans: 12.57.11
